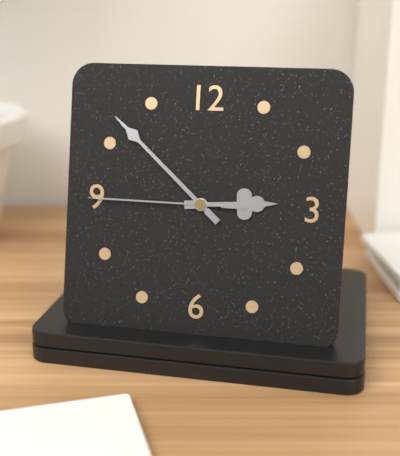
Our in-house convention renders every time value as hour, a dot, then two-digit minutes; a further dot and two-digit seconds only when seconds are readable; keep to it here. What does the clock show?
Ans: 2.52.45
